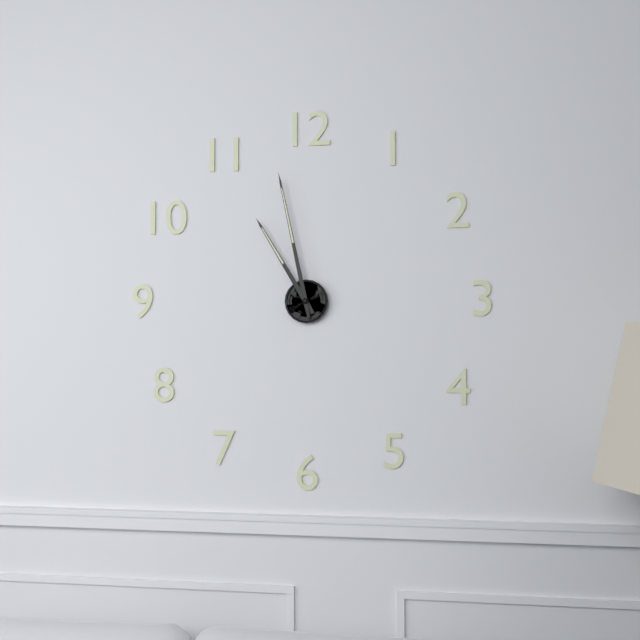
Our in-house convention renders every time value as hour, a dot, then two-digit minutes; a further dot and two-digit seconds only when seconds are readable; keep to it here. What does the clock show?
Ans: 10.58
